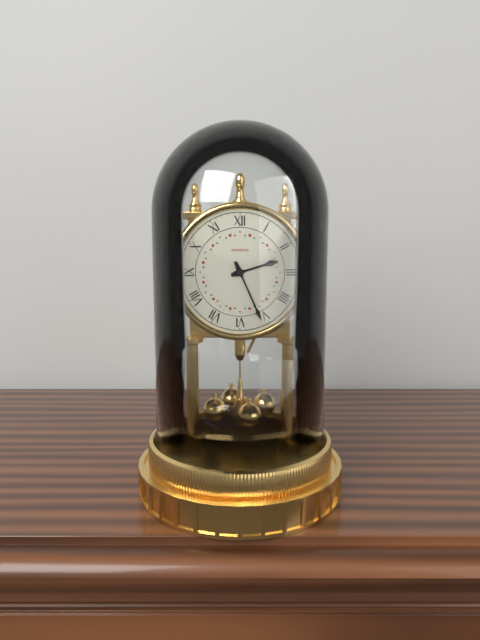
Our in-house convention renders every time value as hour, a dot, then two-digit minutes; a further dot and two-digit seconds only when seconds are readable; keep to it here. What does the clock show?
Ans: 2.26
